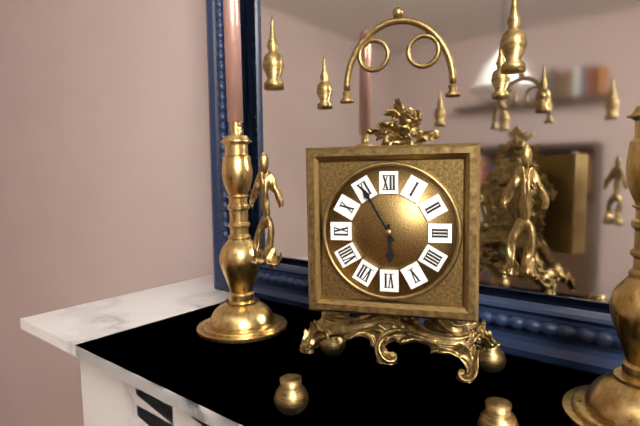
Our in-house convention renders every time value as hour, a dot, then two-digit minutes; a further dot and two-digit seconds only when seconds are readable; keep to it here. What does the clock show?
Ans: 5.55
